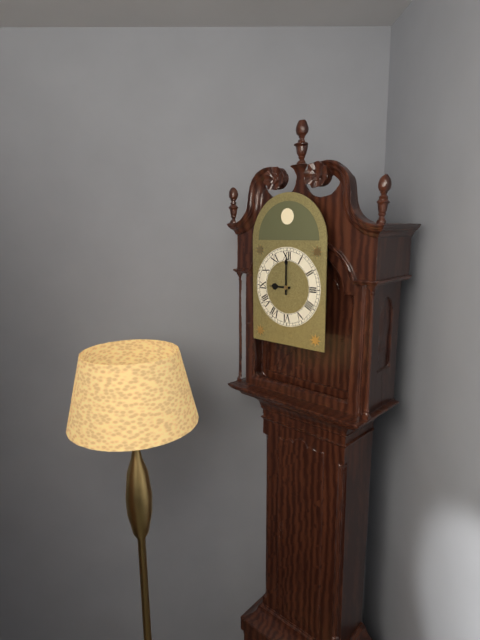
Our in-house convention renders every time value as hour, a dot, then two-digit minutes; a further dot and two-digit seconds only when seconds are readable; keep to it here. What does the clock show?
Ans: 9.00
